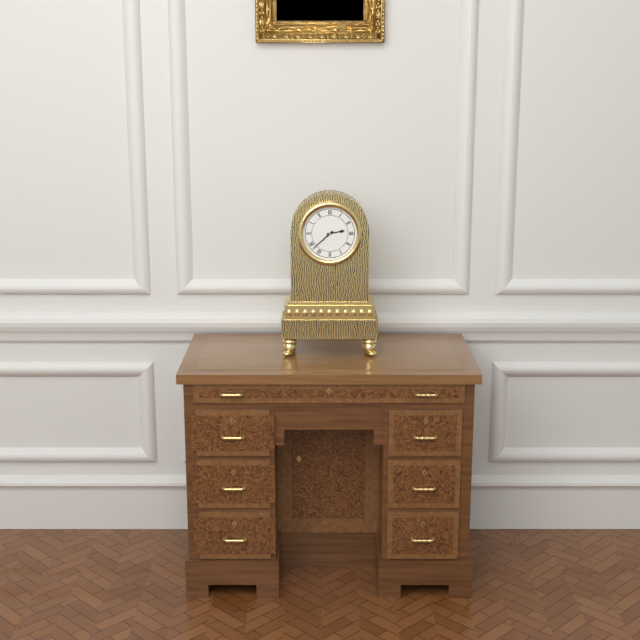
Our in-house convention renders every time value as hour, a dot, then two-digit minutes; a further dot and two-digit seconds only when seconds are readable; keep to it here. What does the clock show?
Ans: 2.38
